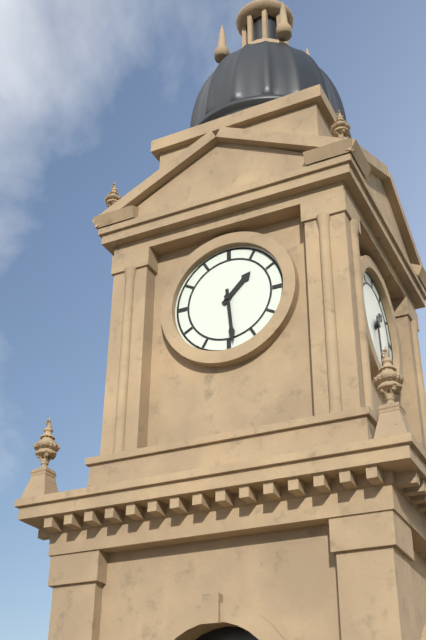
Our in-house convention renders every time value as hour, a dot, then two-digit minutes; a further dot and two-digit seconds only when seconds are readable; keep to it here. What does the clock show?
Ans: 1.29
